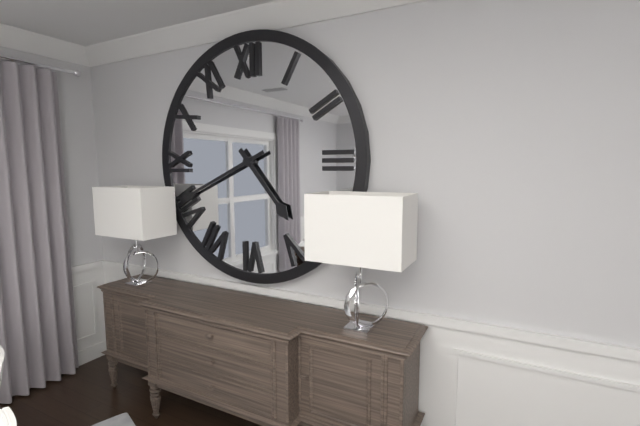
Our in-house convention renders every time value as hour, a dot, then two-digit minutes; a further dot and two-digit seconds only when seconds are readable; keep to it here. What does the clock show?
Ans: 4.41
